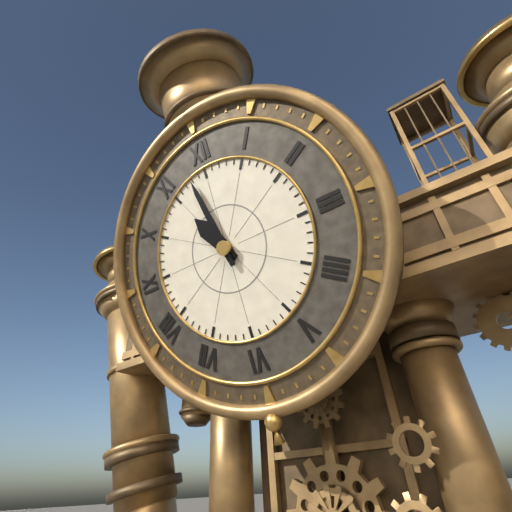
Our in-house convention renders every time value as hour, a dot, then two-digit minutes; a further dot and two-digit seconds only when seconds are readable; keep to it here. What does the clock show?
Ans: 10.58
